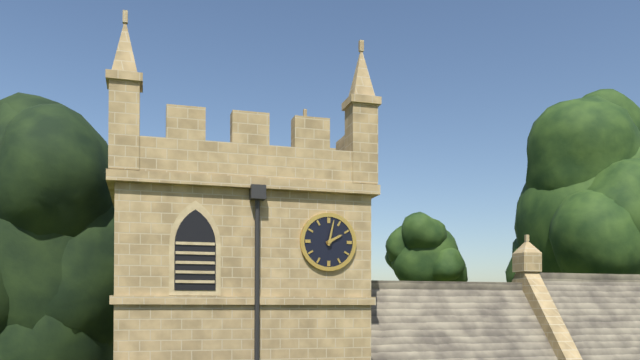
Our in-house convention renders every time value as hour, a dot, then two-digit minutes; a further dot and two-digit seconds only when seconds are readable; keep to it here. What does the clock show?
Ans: 2.02
